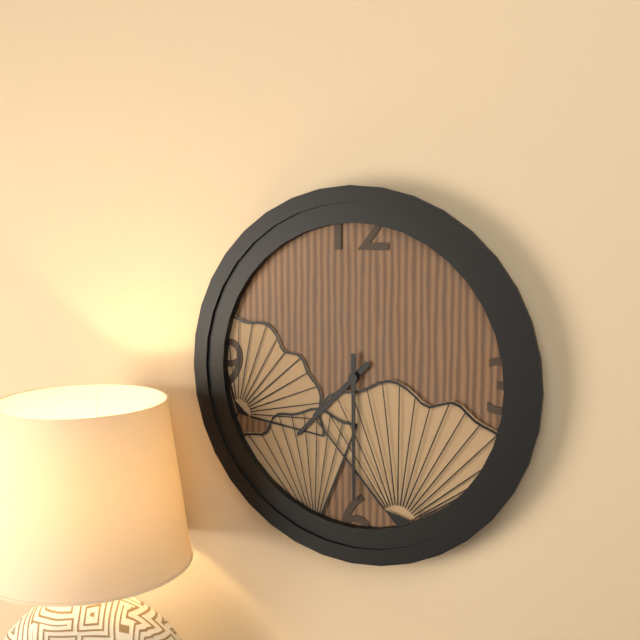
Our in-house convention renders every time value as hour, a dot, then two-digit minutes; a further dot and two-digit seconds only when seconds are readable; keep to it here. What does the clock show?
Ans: 7.30
